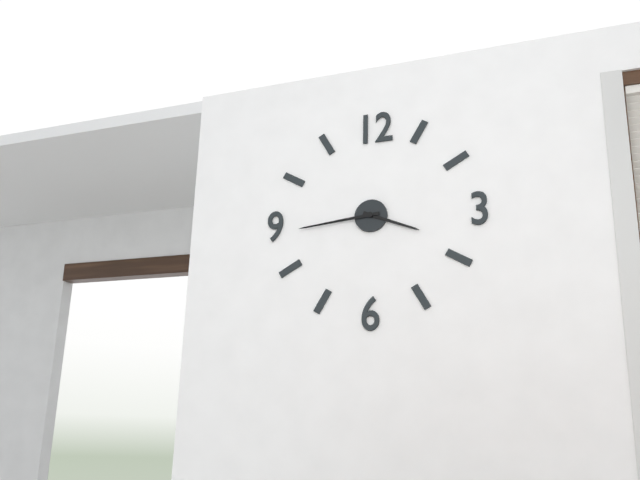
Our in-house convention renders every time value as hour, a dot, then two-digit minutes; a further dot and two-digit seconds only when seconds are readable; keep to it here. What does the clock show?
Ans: 3.44
